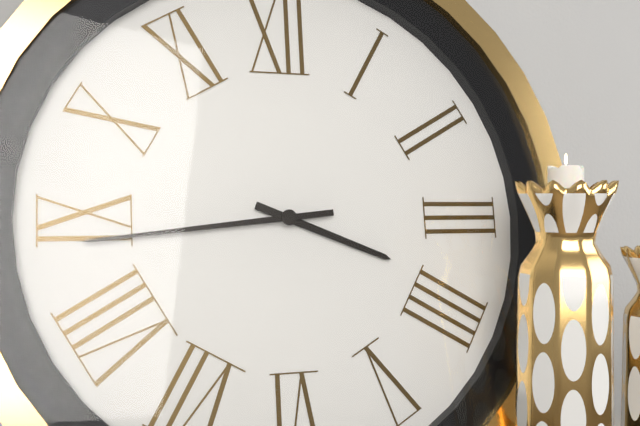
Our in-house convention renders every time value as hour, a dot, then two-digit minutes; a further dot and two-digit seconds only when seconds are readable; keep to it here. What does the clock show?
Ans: 3.44
